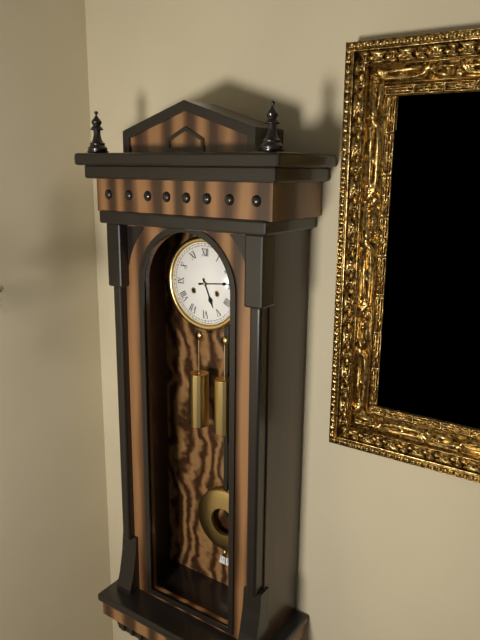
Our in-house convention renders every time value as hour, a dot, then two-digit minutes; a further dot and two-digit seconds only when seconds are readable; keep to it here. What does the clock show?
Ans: 5.14
